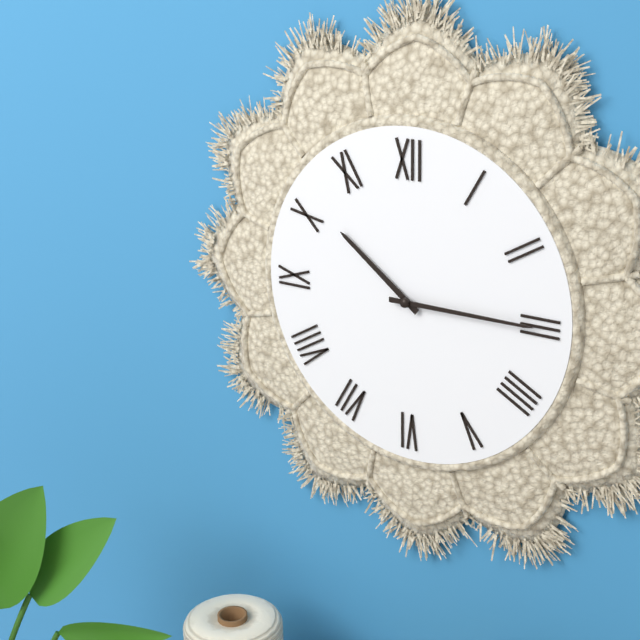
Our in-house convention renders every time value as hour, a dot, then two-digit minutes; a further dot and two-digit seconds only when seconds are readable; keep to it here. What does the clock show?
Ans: 10.15
